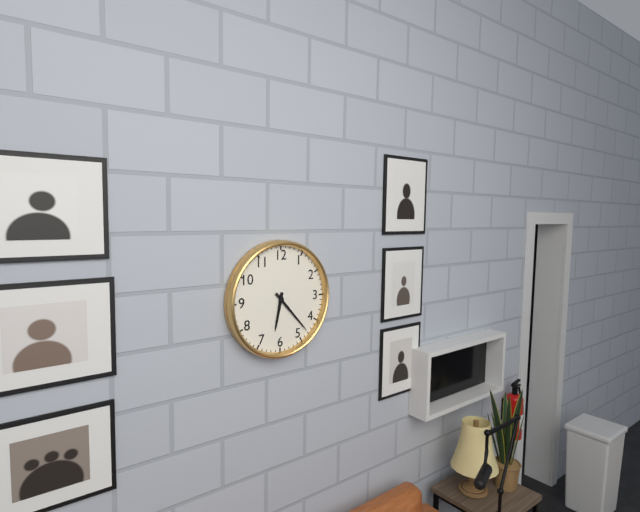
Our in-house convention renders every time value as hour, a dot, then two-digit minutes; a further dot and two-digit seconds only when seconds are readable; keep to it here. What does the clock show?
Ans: 6.23
